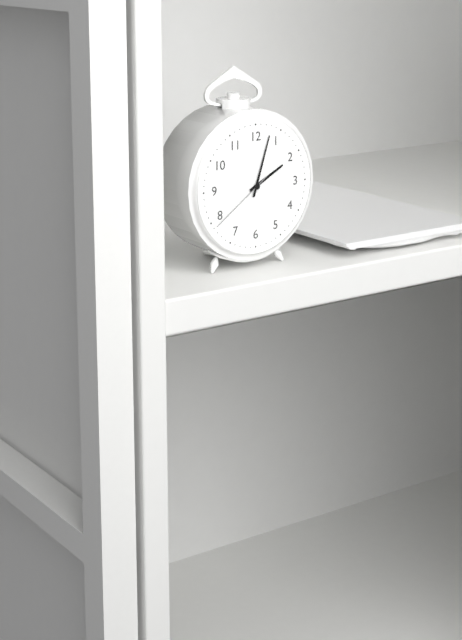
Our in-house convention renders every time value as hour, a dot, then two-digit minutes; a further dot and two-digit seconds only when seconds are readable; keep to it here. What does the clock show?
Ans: 2.03.39
